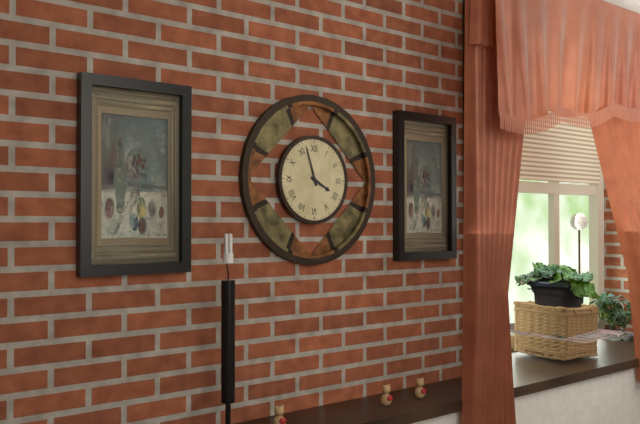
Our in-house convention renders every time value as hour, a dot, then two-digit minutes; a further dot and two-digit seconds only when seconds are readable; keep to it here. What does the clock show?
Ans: 3.57
